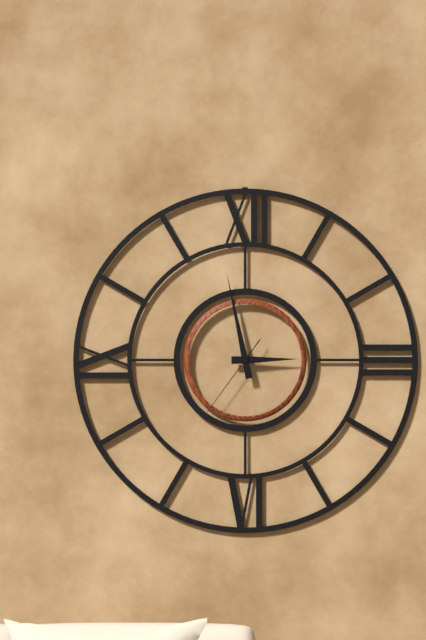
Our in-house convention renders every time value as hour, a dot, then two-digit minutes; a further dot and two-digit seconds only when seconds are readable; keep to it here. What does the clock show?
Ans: 2.58.36
